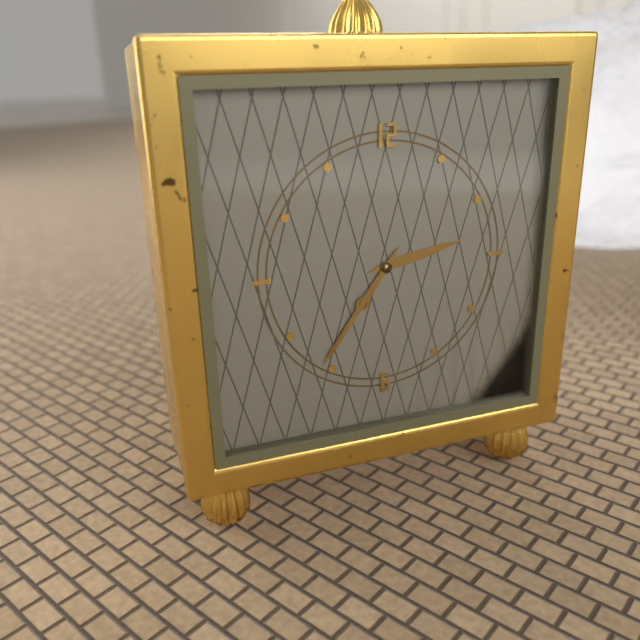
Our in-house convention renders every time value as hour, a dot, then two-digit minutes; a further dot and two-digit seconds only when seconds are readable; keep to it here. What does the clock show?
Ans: 2.36
